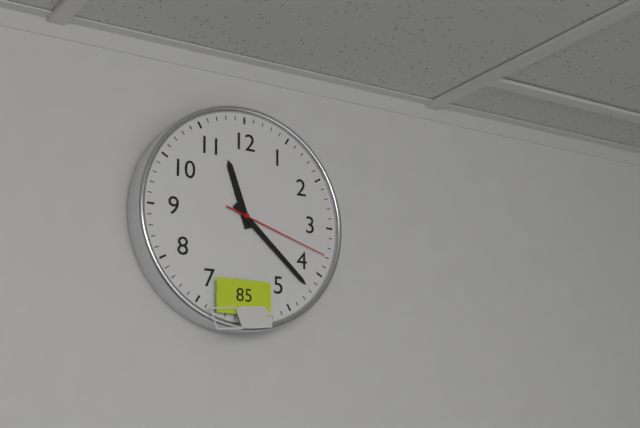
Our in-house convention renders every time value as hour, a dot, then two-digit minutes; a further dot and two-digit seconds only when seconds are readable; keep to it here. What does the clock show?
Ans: 11.22.18
